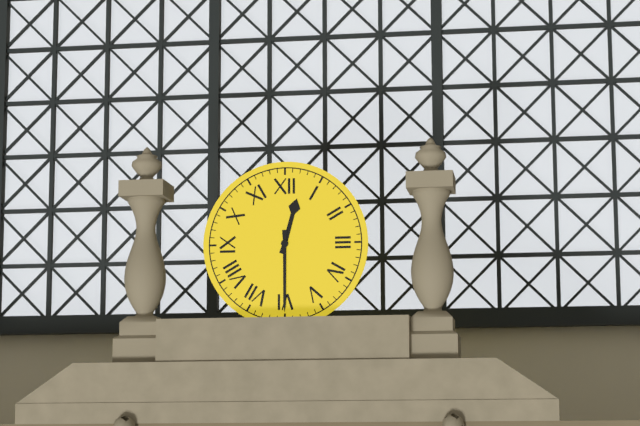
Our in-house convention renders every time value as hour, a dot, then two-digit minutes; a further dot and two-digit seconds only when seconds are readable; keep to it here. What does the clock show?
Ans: 12.30
